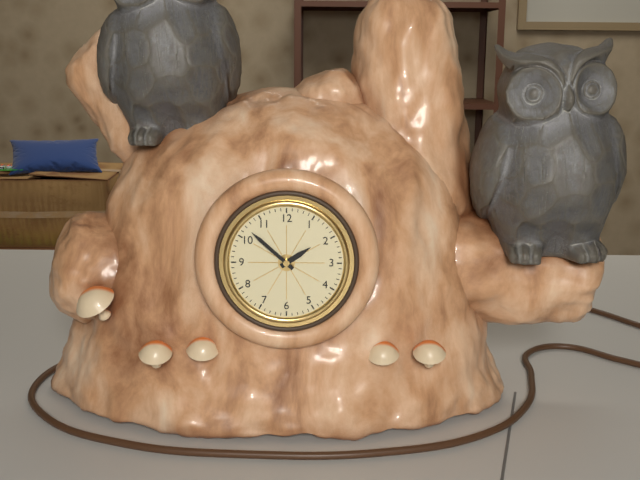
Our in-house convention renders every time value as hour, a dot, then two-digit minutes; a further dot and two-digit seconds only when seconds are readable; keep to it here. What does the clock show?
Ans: 1.52
